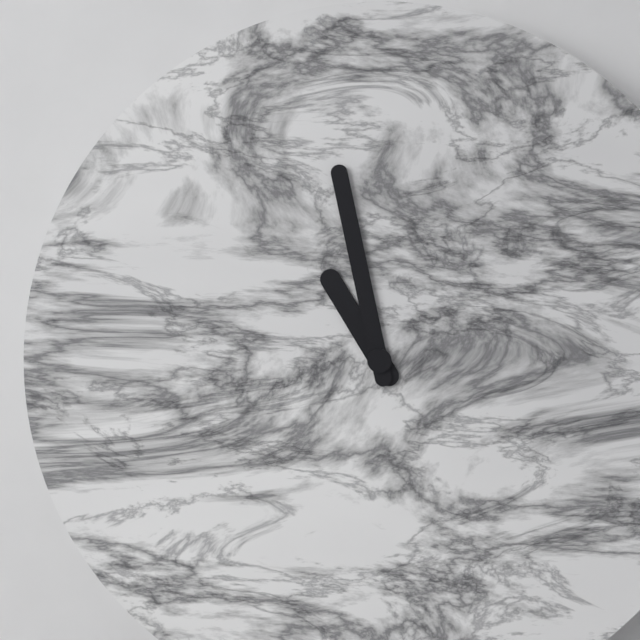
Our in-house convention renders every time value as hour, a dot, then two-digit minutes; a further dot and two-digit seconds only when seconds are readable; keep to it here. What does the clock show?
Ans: 10.58
